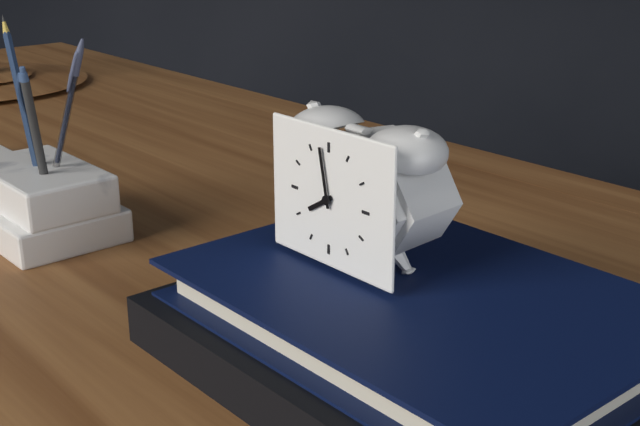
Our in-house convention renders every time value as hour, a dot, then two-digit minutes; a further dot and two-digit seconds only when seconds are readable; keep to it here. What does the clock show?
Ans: 7.58
